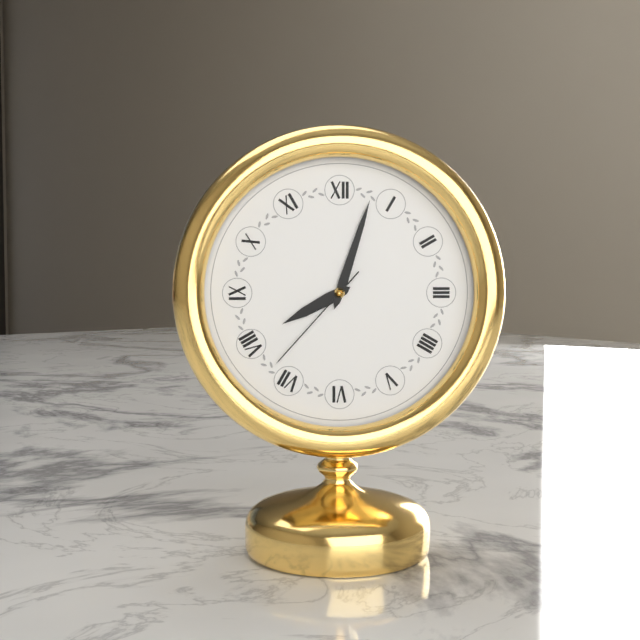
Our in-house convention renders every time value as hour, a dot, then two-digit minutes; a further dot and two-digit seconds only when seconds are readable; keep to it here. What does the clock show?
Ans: 8.03.37
